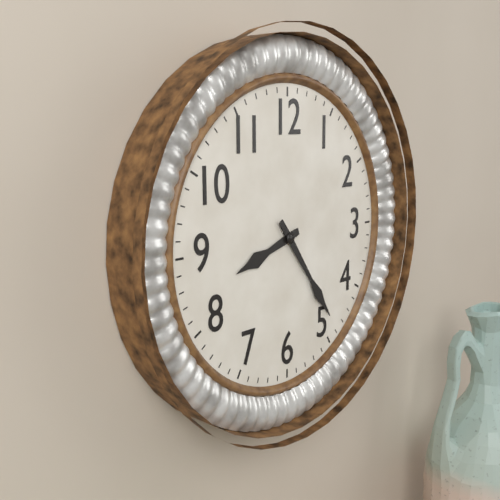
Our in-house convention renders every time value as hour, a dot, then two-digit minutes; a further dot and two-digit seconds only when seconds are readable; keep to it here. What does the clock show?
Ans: 8.24
